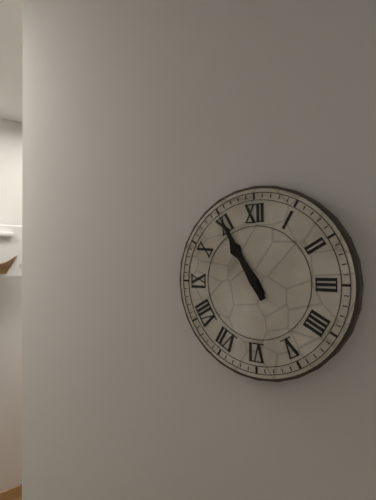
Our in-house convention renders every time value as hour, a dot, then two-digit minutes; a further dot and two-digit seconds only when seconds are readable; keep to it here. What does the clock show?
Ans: 10.55
